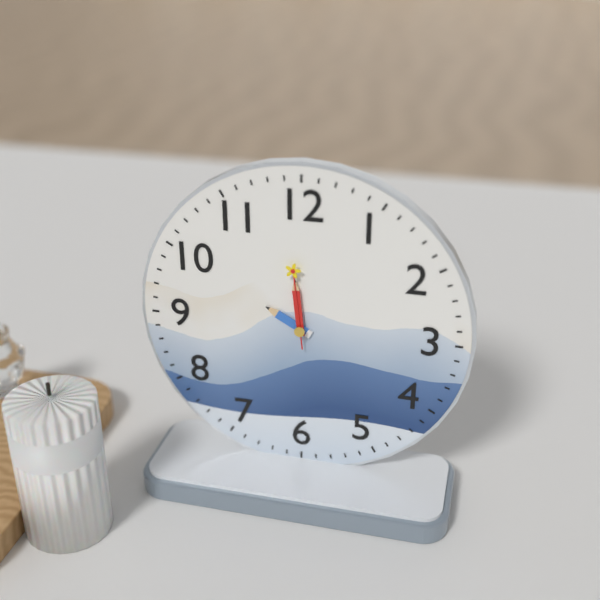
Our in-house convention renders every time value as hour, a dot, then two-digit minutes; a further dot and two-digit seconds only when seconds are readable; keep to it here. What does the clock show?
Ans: 9.59.59
